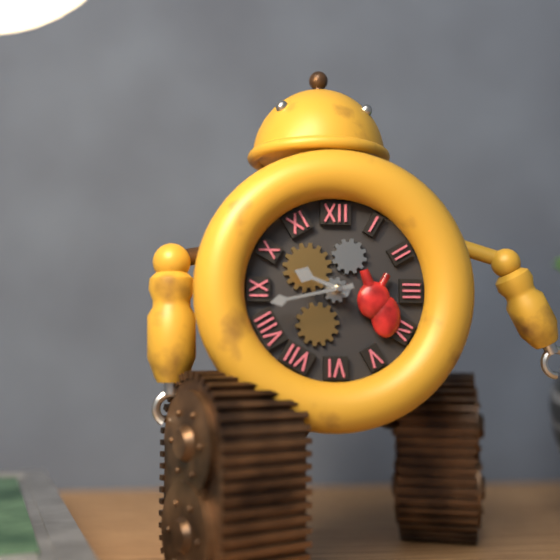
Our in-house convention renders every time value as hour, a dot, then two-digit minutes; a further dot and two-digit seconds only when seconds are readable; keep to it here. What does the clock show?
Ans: 9.43
